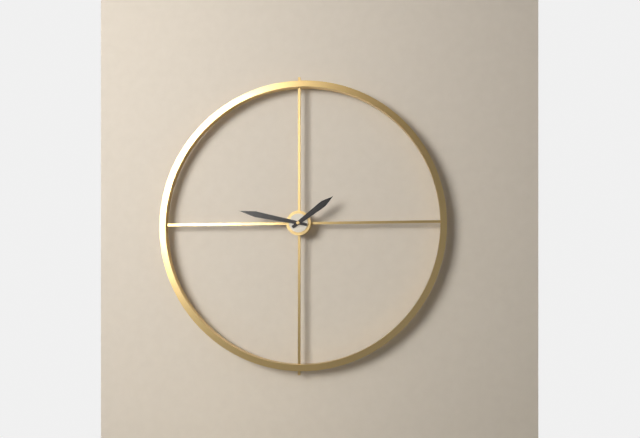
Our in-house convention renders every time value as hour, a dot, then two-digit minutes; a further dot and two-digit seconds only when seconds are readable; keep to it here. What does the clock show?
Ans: 1.47
